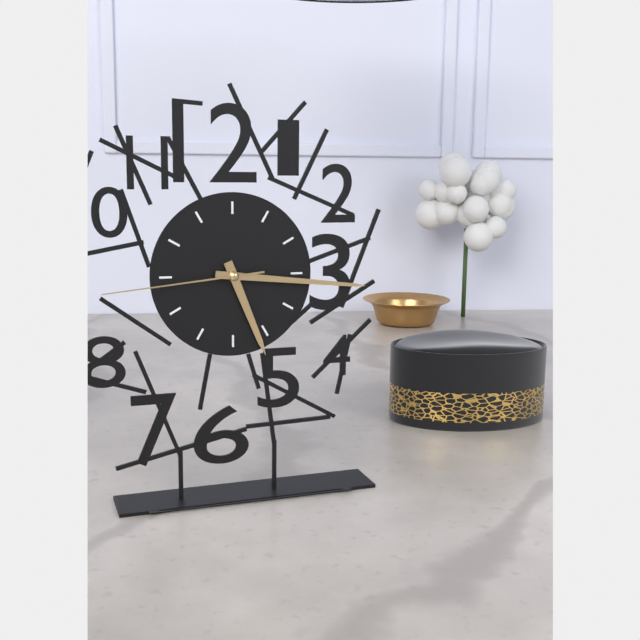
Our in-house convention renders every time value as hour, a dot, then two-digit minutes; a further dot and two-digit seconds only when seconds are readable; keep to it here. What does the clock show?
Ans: 5.16.44
